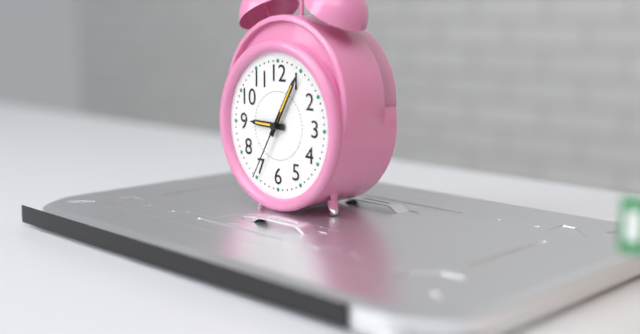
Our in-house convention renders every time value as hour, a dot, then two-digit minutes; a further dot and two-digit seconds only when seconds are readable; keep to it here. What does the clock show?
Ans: 9.05.35
